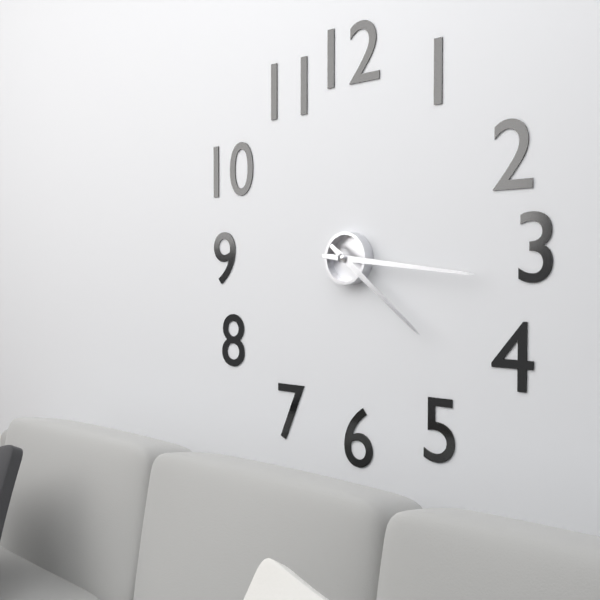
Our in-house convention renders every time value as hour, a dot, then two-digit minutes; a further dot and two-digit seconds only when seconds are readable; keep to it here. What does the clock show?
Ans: 4.16
